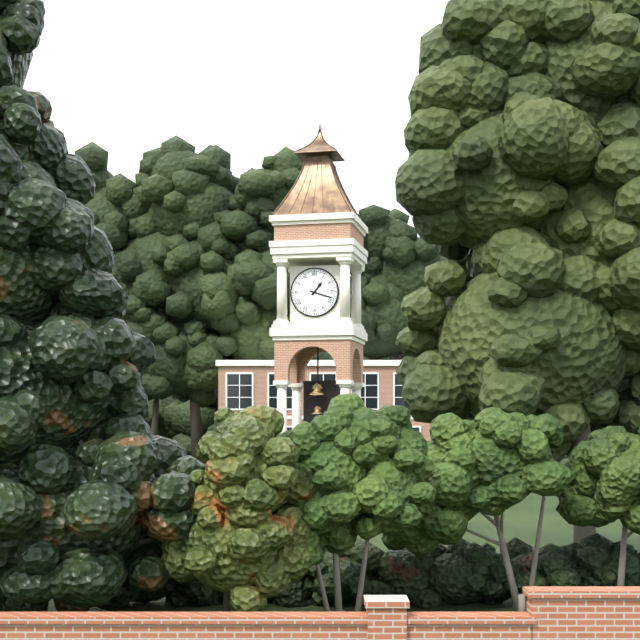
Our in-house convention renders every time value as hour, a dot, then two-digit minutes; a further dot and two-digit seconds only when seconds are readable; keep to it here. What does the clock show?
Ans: 1.18
